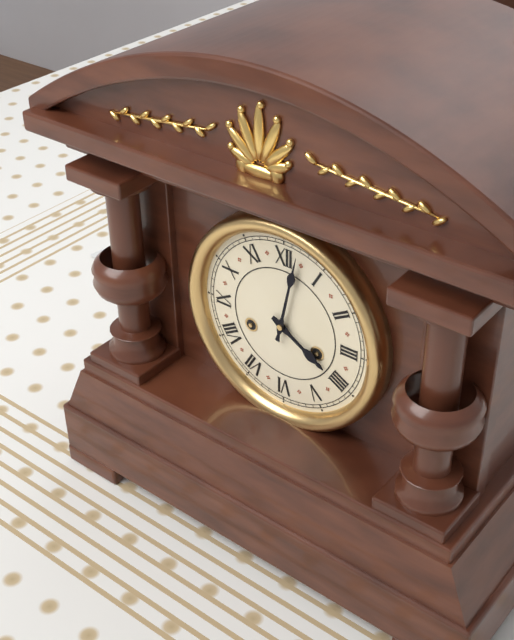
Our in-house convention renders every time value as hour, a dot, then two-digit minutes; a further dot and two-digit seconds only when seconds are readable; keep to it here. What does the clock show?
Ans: 4.02
